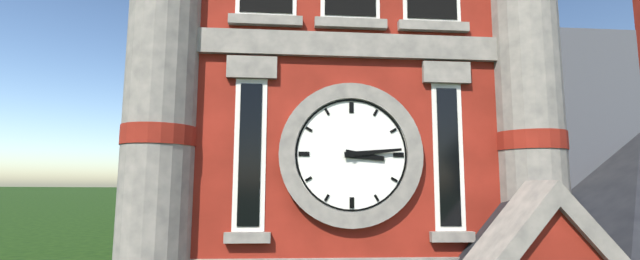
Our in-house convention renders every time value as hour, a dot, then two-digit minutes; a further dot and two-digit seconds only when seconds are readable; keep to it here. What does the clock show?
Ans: 3.14
